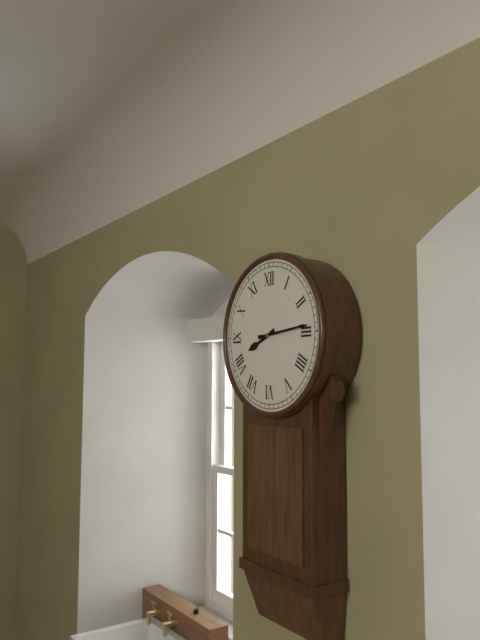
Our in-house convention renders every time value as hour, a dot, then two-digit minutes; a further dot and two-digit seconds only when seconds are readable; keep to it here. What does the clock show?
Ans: 8.14
